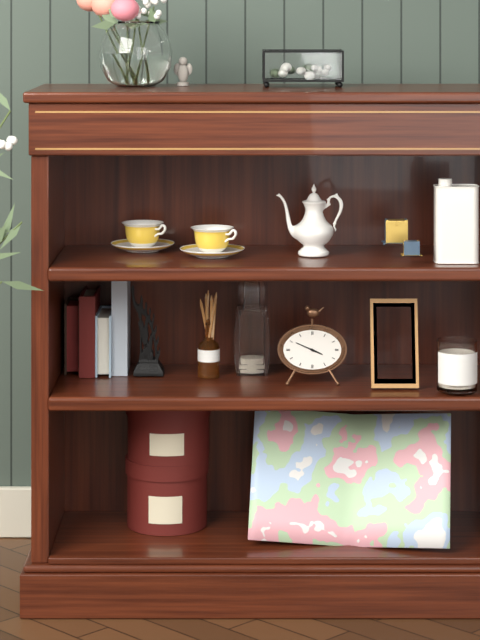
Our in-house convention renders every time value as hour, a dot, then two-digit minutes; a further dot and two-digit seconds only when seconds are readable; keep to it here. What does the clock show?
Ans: 3.49
